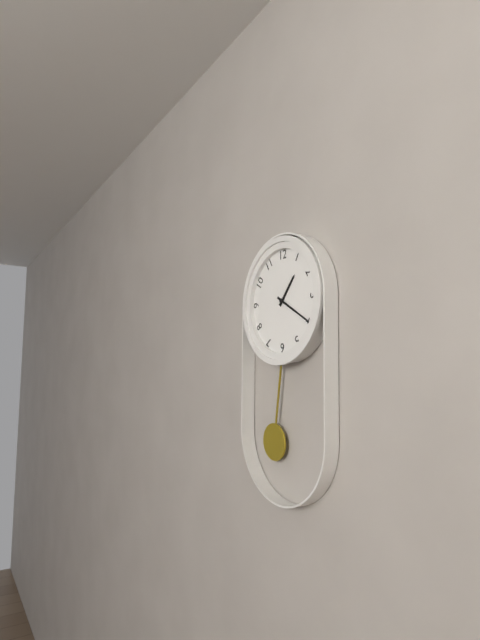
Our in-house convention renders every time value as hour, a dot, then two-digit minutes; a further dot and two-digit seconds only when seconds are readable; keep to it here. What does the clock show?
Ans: 1.20
